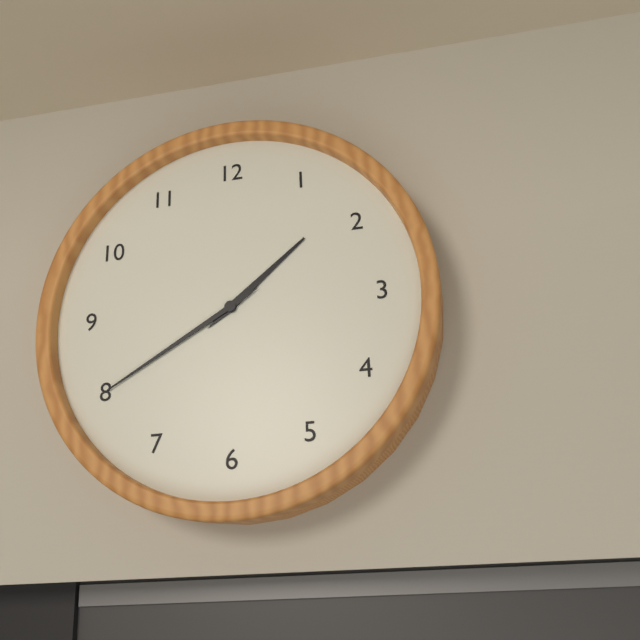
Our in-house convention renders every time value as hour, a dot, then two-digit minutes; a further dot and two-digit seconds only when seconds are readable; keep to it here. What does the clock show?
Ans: 1.40
